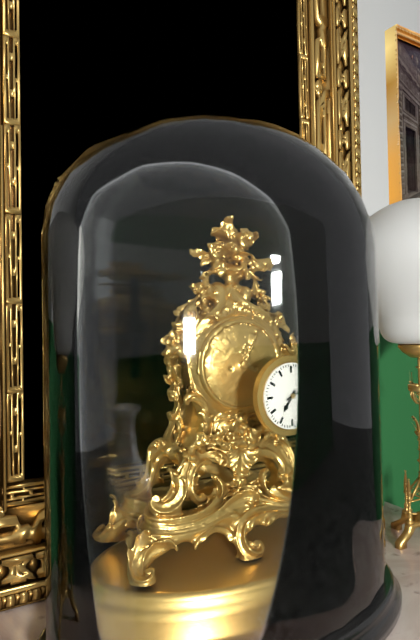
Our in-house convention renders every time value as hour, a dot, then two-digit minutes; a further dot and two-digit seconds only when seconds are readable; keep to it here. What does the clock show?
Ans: 7.11
